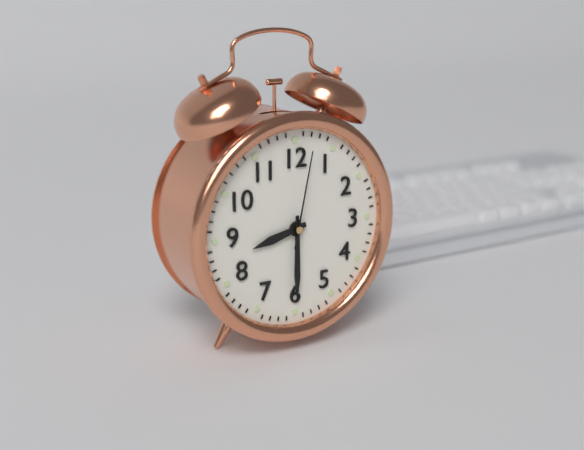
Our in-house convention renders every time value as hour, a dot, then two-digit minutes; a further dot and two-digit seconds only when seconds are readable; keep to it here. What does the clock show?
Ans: 8.30.02
